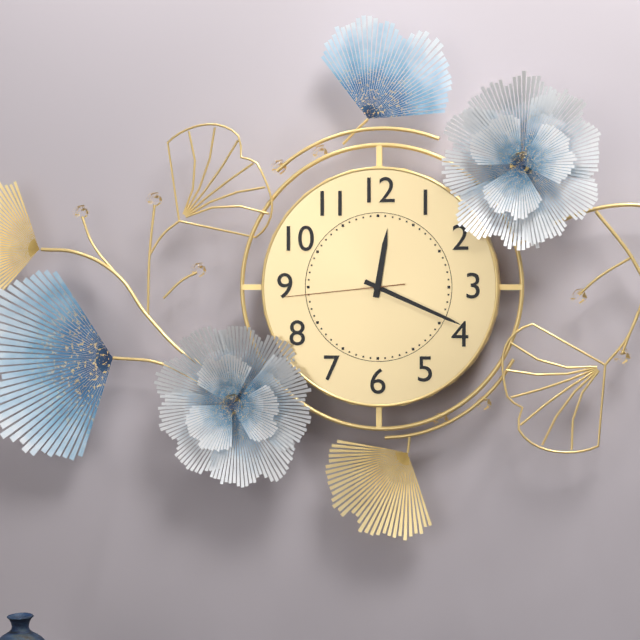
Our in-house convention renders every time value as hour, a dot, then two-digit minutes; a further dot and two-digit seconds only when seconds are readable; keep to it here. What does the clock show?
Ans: 12.19.44
